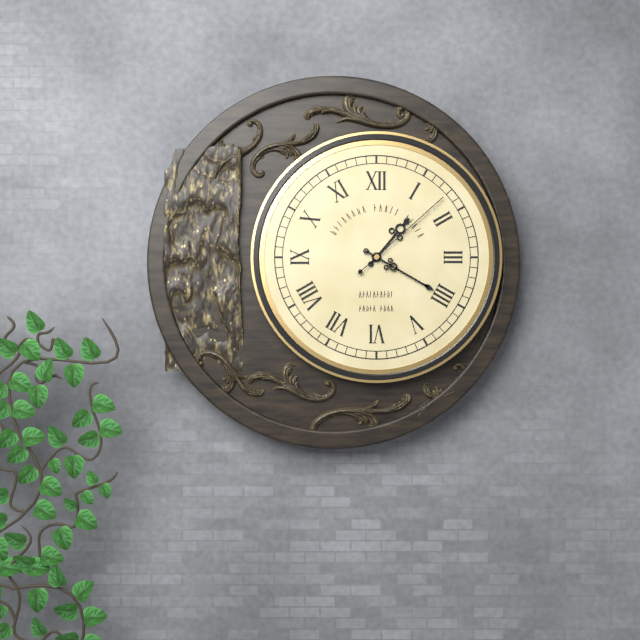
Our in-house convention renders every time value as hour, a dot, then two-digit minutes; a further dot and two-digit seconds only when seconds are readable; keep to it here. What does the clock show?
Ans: 1.20.08
